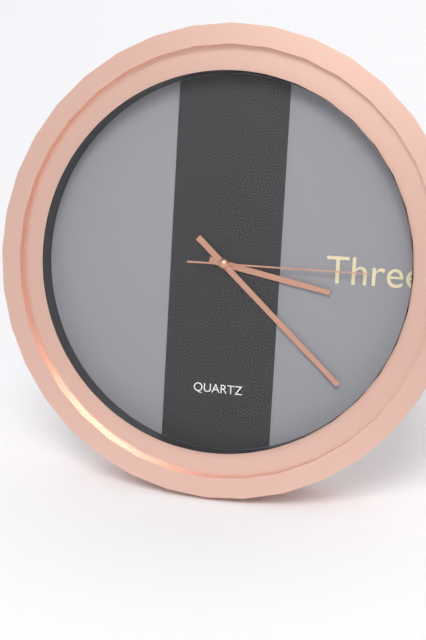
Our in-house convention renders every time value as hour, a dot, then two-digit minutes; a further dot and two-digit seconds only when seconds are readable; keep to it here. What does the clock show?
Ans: 3.22.15
